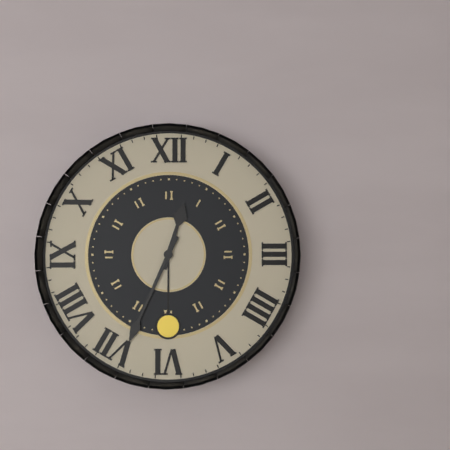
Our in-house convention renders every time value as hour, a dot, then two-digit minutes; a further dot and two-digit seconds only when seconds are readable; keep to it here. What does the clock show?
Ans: 12.34
